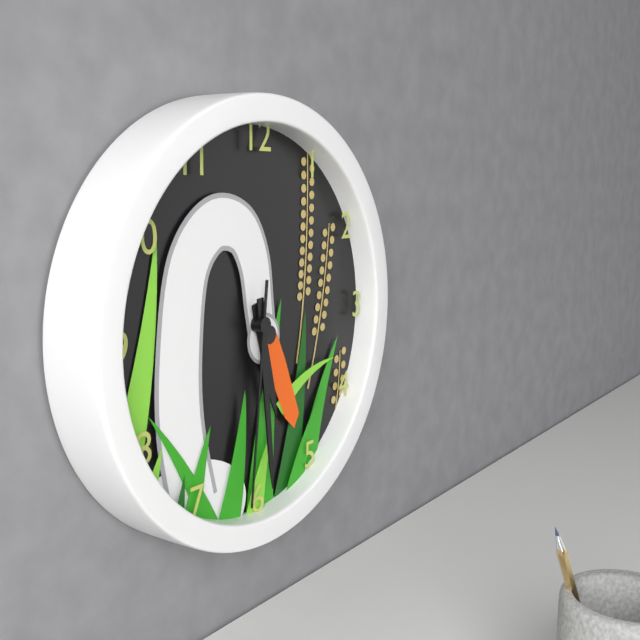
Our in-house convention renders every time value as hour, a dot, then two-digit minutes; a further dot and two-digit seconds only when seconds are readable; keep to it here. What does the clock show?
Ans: 5.29.31
